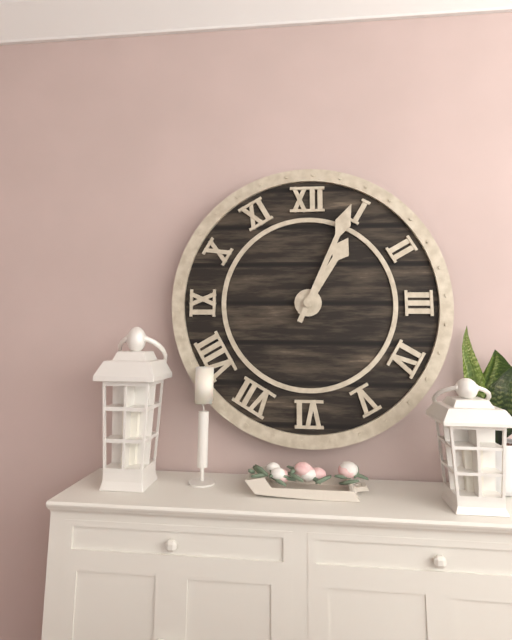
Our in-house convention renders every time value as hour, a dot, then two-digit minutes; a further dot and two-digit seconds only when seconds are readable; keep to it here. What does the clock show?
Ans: 1.04
